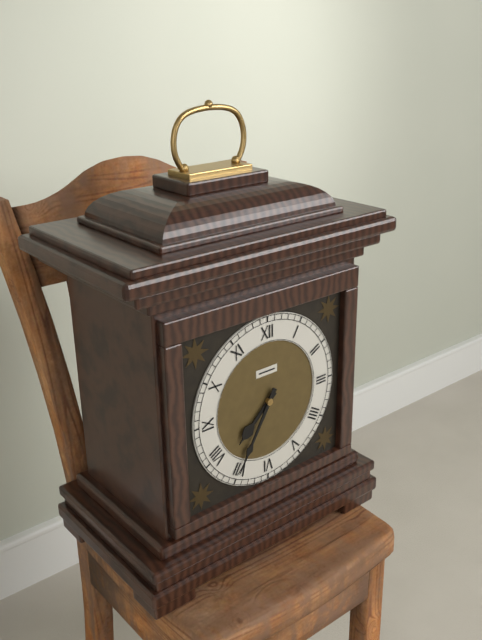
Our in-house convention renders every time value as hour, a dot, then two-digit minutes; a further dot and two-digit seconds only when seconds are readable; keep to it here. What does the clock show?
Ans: 7.35
